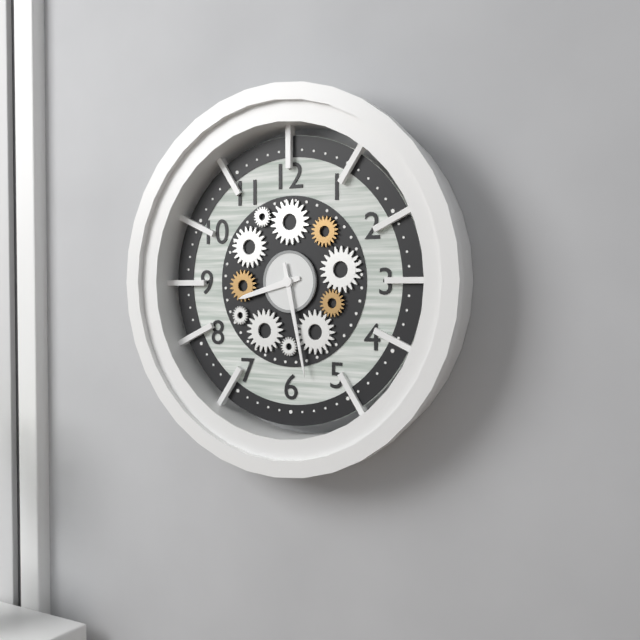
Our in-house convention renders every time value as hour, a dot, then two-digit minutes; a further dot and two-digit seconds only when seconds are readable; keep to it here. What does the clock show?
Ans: 8.28
